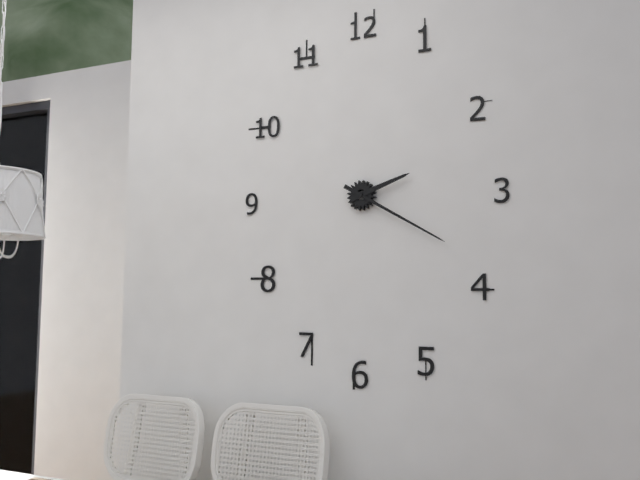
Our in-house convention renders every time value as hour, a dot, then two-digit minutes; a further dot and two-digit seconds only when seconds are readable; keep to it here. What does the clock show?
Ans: 2.20
